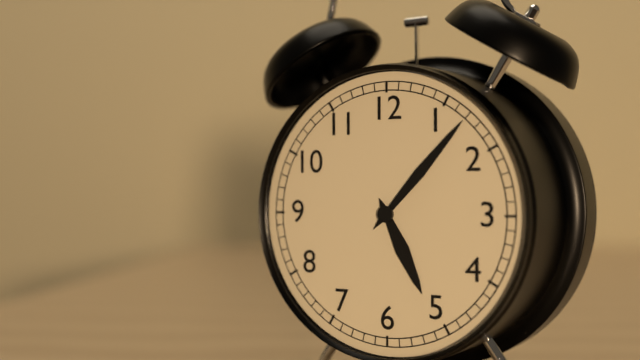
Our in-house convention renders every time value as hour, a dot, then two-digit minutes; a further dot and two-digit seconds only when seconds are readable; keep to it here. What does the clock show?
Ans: 5.07
